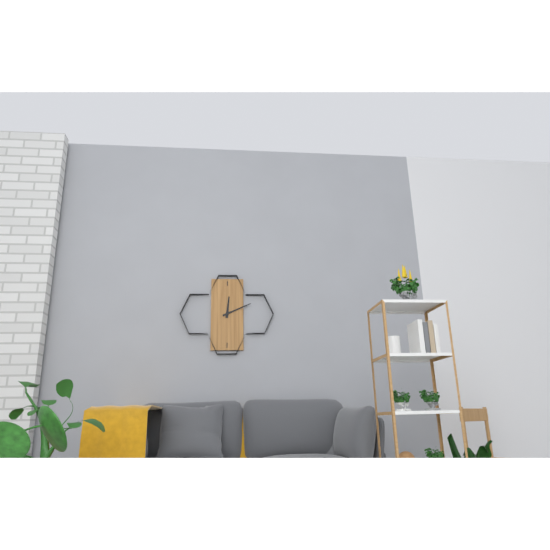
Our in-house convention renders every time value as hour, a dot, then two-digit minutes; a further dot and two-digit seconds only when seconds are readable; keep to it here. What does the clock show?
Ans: 12.11
